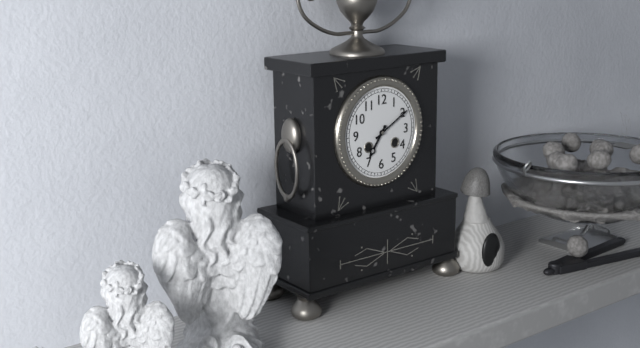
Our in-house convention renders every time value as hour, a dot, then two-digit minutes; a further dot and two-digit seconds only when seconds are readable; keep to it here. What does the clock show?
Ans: 7.10
